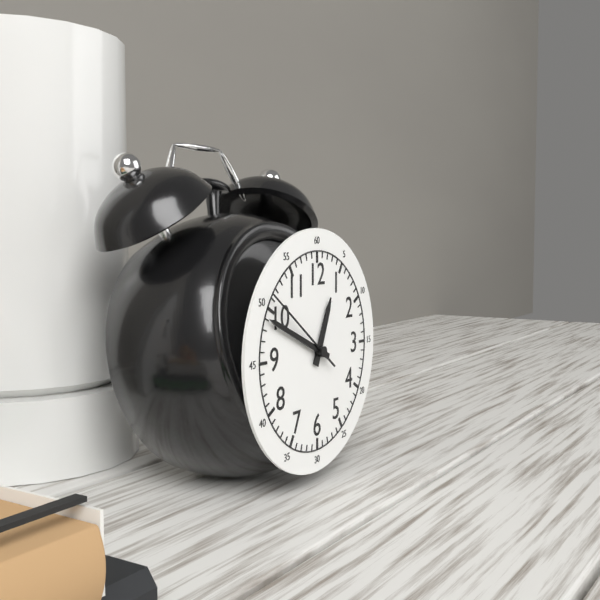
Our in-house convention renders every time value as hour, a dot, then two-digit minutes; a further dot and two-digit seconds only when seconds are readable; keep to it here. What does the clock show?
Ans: 12.49.51
